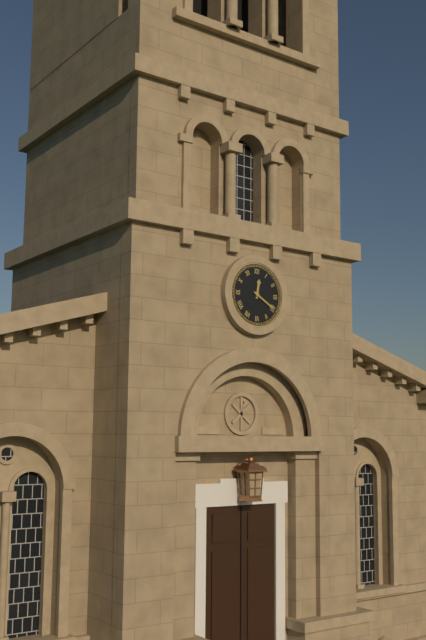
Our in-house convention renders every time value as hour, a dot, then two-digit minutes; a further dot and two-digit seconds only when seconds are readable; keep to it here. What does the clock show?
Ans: 12.20
